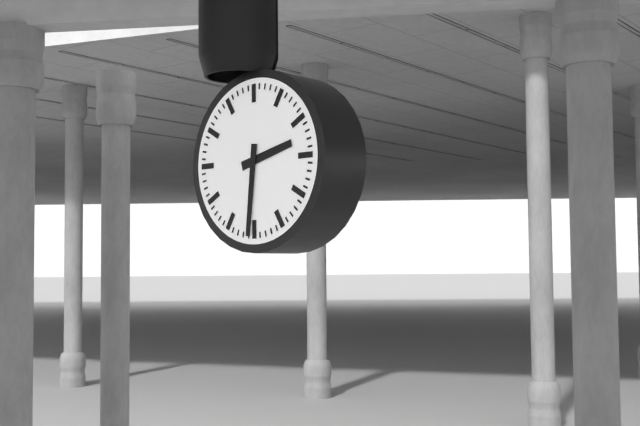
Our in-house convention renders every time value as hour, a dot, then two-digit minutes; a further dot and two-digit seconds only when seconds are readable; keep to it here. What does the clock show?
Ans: 2.31
